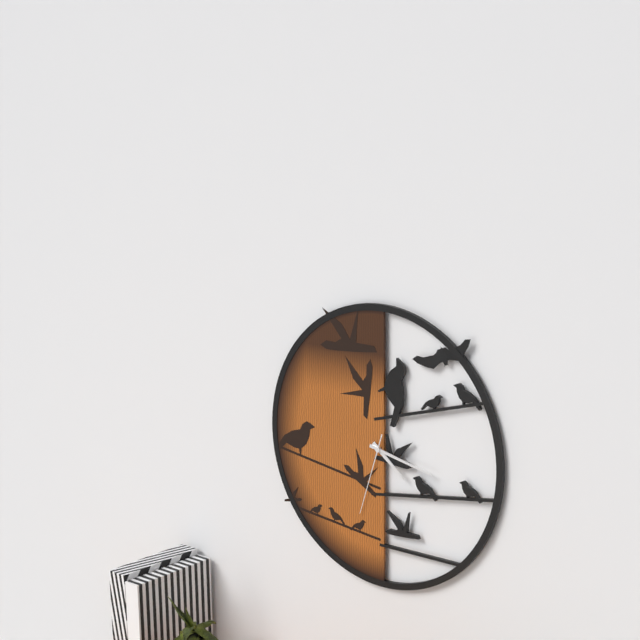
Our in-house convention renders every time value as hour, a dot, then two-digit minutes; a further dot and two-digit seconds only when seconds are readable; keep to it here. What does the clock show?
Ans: 4.17.33
